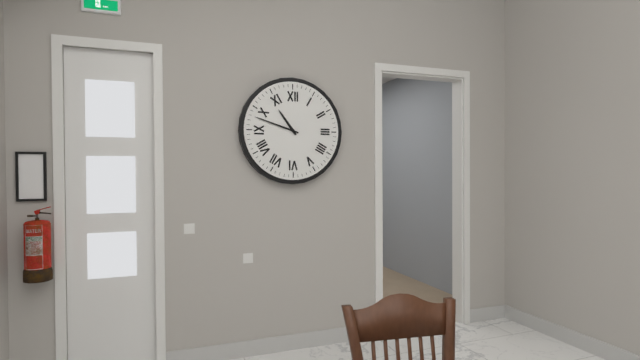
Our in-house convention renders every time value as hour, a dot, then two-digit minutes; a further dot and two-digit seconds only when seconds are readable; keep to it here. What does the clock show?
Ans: 10.48
